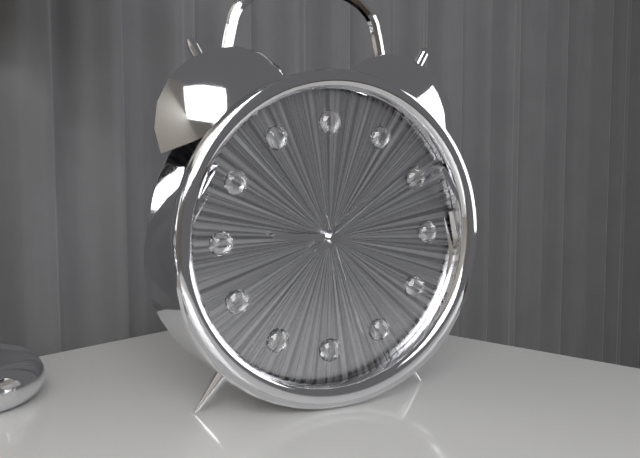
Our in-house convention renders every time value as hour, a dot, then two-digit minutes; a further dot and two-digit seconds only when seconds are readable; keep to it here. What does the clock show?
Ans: 9.09.27
